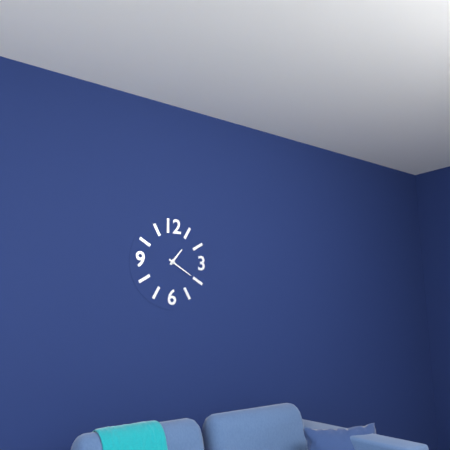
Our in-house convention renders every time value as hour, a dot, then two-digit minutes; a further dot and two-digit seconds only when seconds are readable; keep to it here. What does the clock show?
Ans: 1.20
